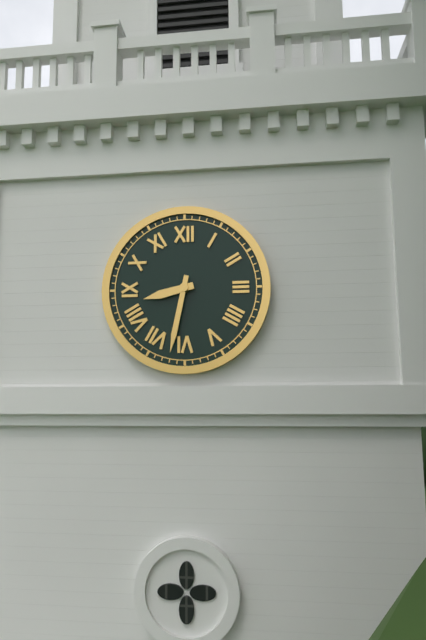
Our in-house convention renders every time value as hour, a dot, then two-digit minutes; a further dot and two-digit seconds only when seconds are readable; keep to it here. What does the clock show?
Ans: 8.32
